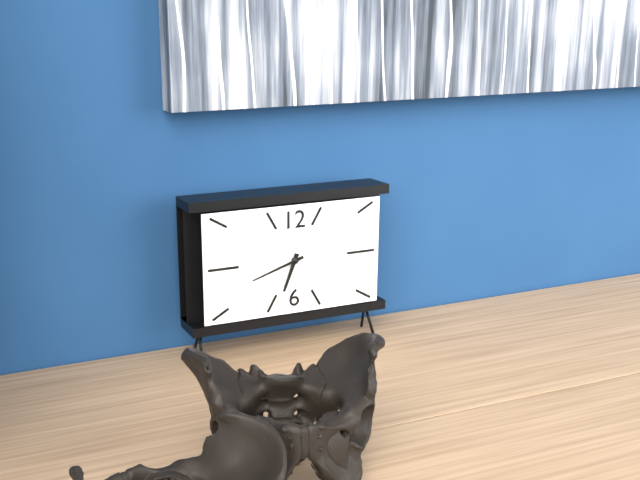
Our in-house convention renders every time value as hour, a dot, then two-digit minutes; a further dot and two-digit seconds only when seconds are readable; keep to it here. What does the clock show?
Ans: 6.42
